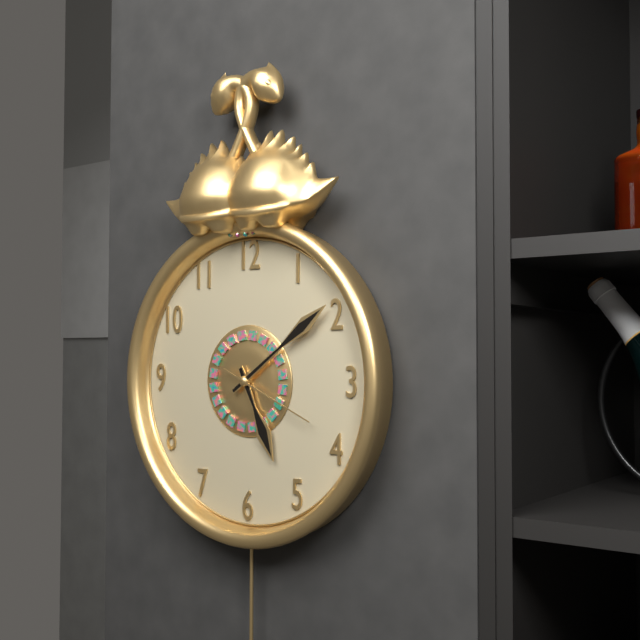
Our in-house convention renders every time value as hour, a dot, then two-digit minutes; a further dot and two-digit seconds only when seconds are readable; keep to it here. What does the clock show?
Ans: 5.09.19
